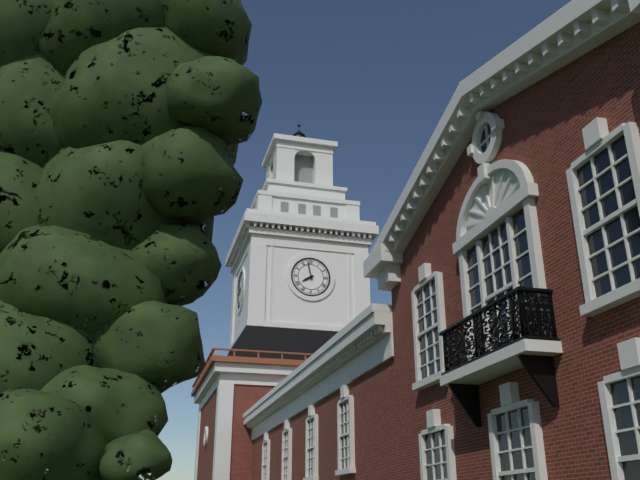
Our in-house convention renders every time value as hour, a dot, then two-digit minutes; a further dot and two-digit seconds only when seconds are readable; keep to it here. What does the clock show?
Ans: 7.58
